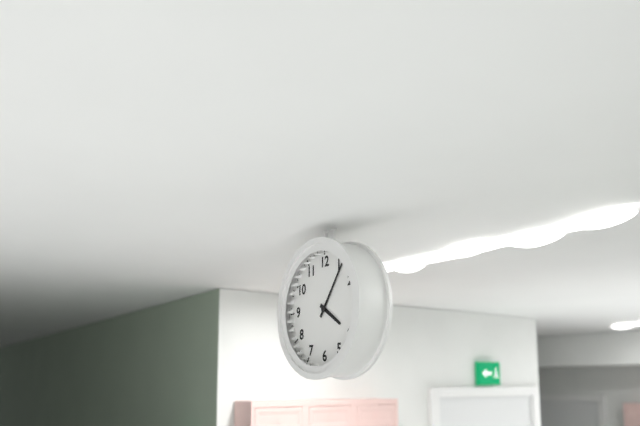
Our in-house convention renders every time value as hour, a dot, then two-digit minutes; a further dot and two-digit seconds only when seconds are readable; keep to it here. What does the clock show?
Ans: 4.06
